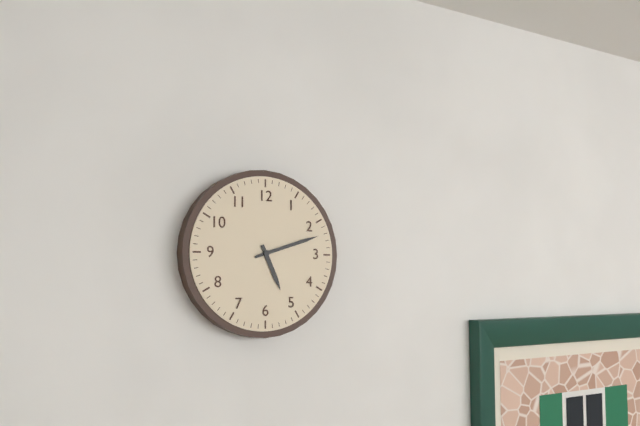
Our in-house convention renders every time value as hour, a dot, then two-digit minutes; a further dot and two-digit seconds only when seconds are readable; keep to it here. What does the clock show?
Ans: 5.12
